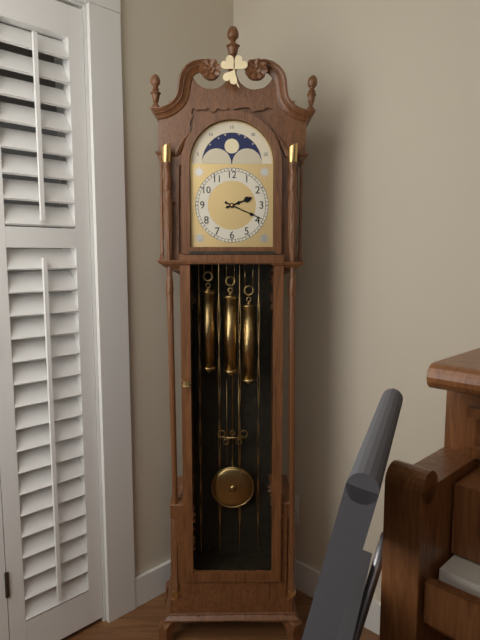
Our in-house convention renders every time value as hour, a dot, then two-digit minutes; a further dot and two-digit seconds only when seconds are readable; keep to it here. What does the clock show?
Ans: 2.19
